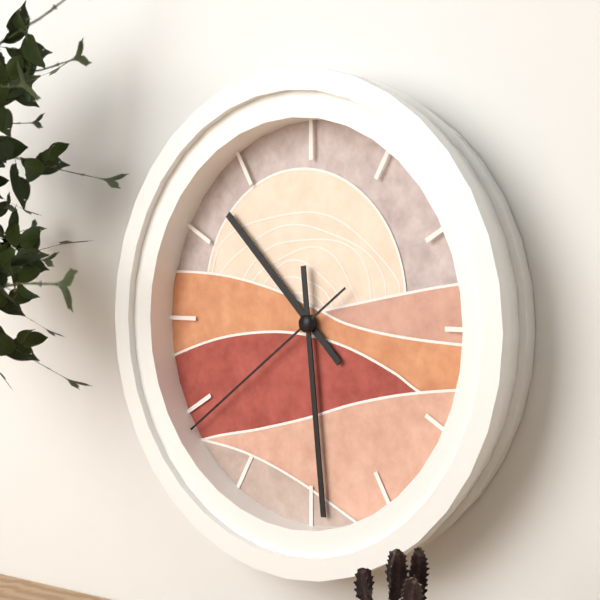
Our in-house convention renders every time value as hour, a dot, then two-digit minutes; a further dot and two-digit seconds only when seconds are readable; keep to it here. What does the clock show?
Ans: 10.29.39
